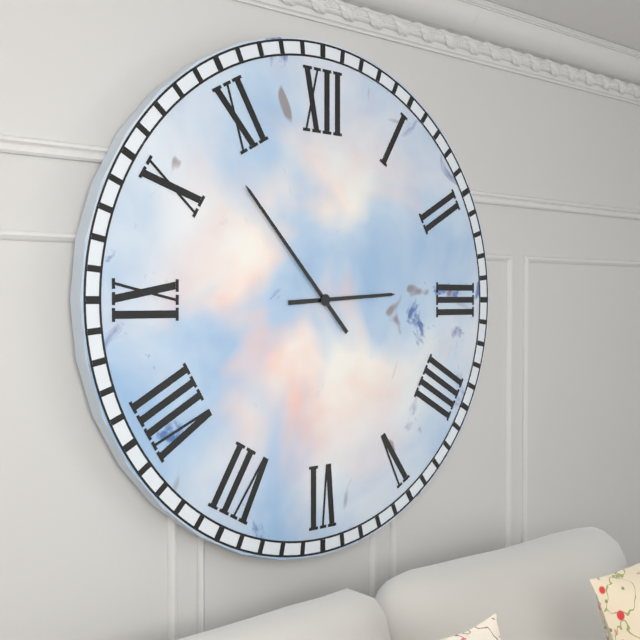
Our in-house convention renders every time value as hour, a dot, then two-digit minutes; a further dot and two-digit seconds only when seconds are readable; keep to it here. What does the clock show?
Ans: 2.53
